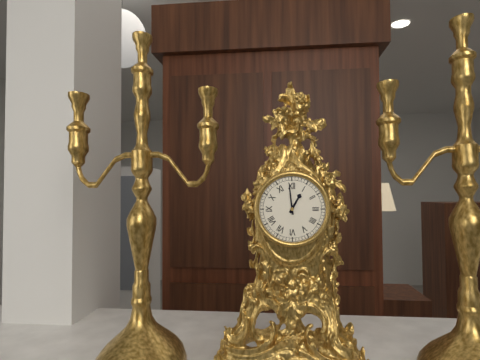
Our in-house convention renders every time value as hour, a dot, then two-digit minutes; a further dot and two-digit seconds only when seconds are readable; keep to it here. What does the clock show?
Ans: 12.59
